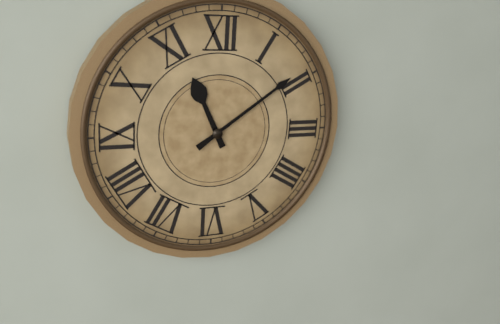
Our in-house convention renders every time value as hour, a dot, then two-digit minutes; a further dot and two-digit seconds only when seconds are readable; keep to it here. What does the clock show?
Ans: 11.09
